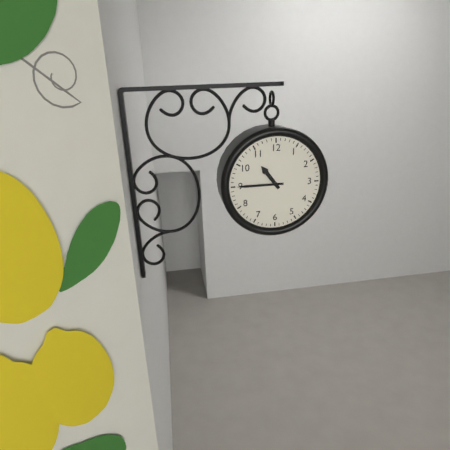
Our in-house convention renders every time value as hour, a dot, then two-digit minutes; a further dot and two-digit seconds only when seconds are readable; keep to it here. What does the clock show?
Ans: 10.45
